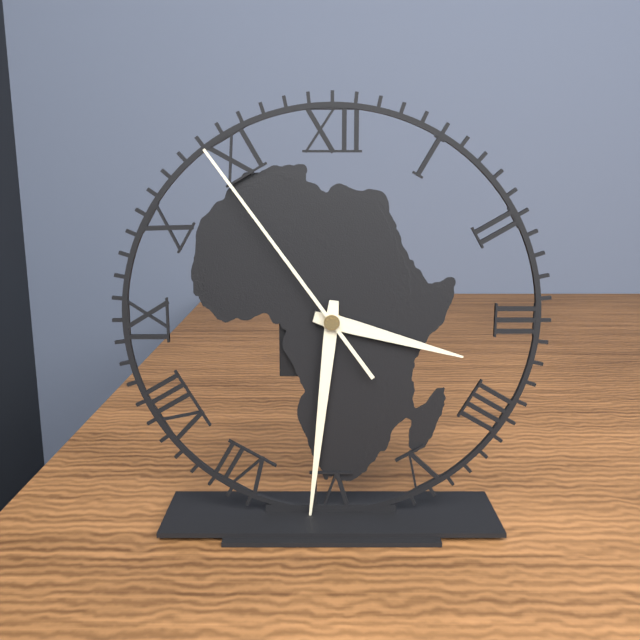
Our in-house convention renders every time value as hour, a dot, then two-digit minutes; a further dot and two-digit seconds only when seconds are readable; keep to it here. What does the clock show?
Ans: 3.31.54
